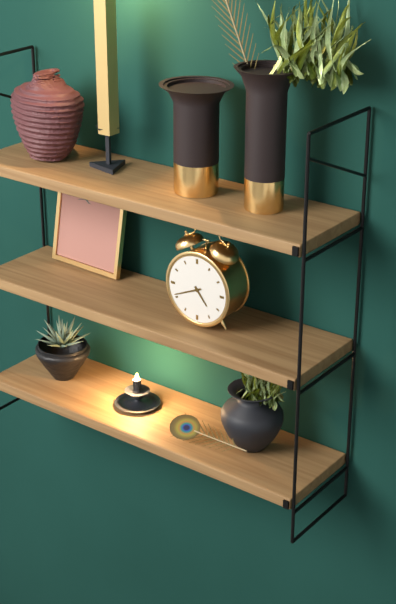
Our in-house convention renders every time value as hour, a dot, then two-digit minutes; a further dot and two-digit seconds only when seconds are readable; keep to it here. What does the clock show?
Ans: 4.41
